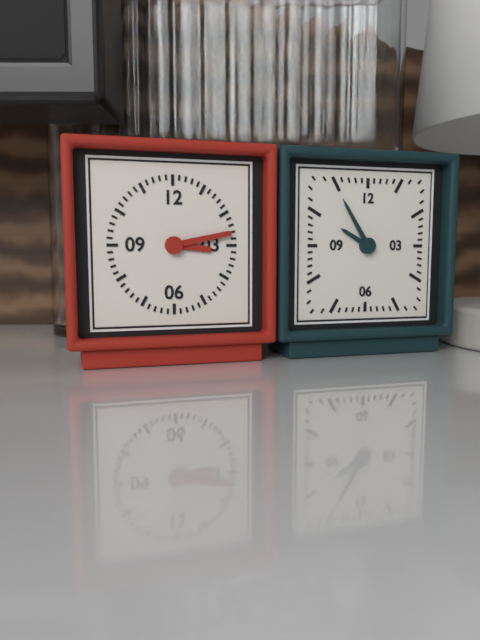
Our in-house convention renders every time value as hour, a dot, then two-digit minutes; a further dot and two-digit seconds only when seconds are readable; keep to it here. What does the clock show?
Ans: 3.13
